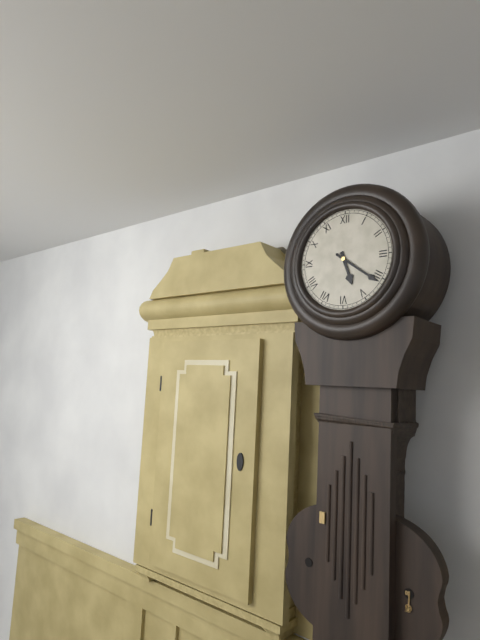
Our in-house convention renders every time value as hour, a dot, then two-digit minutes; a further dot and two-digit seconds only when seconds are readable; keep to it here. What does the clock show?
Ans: 5.21
